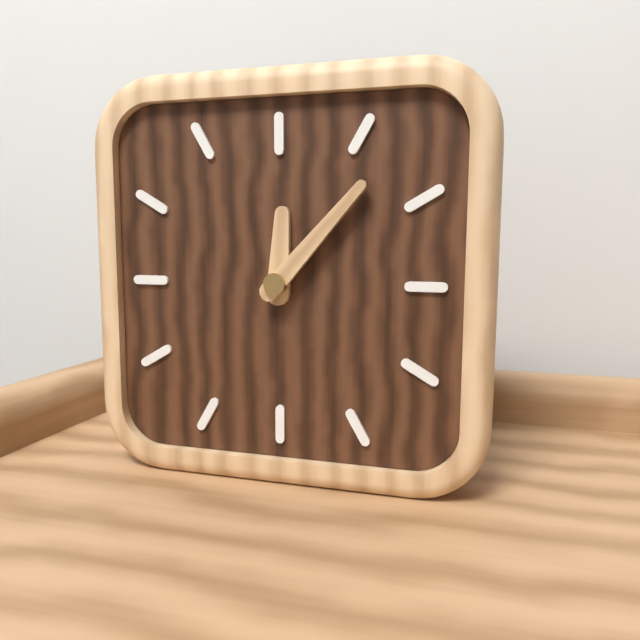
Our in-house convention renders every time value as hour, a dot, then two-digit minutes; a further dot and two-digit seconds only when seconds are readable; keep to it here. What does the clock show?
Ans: 12.07
